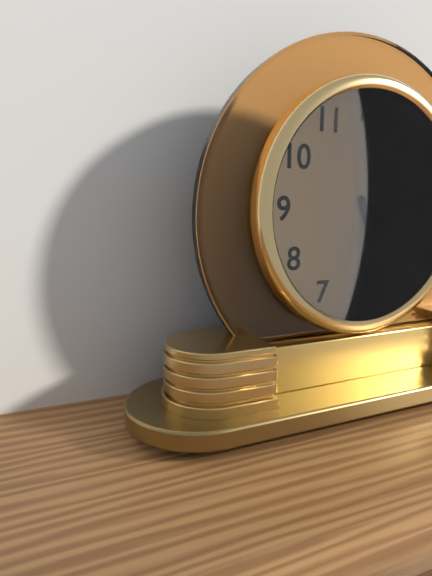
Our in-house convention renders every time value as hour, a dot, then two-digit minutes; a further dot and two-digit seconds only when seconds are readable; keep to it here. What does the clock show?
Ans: 5.25
